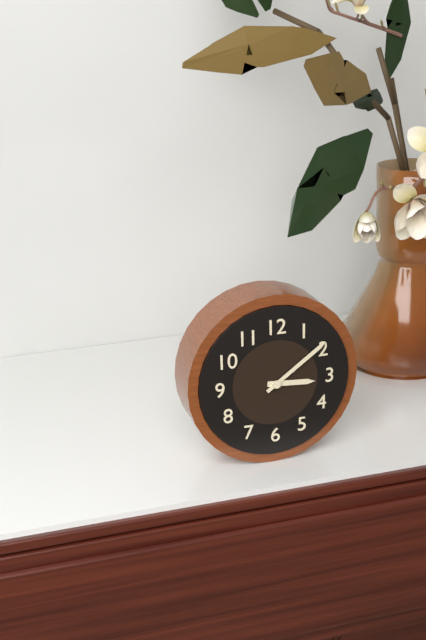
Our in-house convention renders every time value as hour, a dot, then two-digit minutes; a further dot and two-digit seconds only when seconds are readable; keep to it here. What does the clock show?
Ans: 3.09
